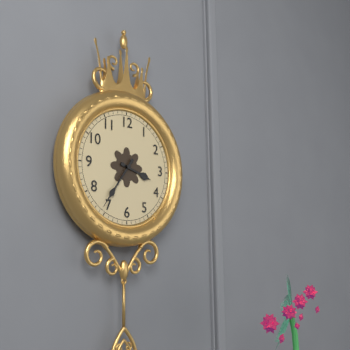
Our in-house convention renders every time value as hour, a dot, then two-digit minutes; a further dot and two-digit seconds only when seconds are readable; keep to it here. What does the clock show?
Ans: 3.36
